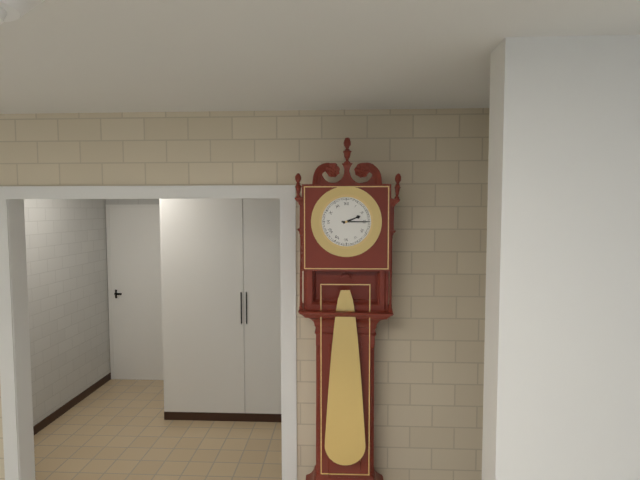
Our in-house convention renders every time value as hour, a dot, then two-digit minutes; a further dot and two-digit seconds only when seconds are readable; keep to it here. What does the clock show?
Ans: 2.15
